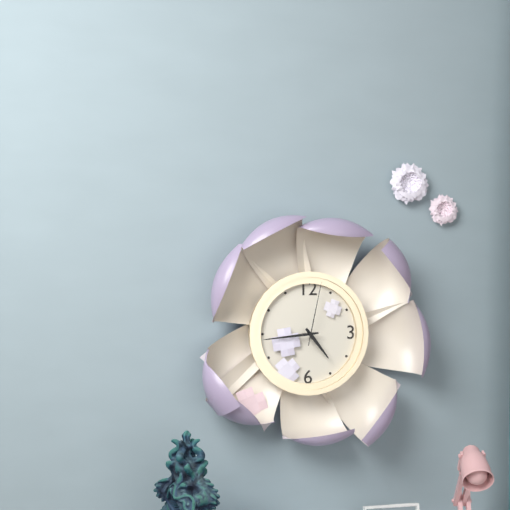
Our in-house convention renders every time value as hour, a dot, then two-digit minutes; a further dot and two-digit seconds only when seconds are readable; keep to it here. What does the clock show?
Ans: 4.44.02
